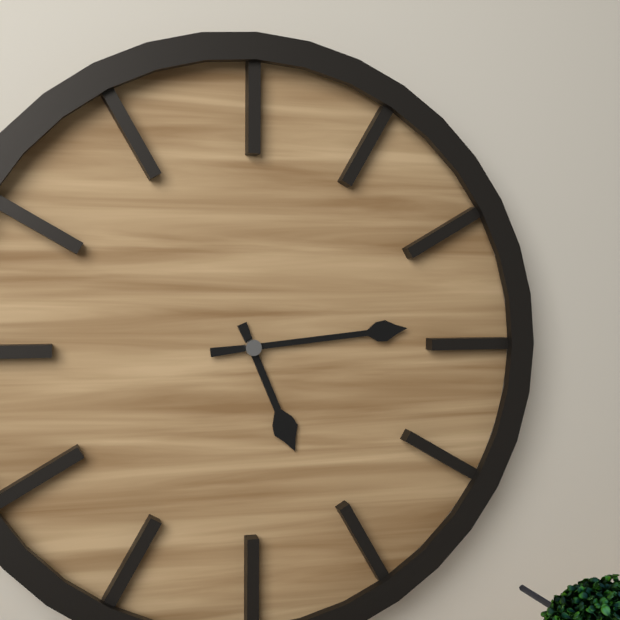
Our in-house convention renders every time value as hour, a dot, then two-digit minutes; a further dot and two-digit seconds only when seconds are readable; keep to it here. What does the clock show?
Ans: 5.14
